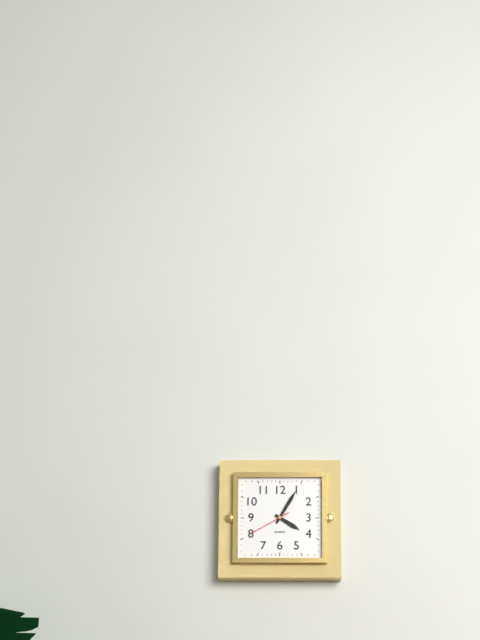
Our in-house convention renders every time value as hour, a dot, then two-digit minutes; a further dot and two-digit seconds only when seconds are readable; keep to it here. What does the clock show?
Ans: 4.05
